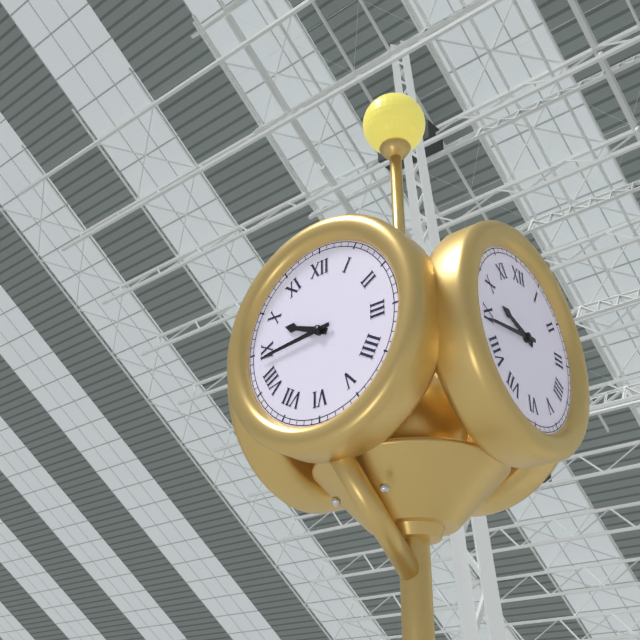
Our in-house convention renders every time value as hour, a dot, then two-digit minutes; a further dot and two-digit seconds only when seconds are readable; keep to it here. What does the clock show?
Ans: 9.44
